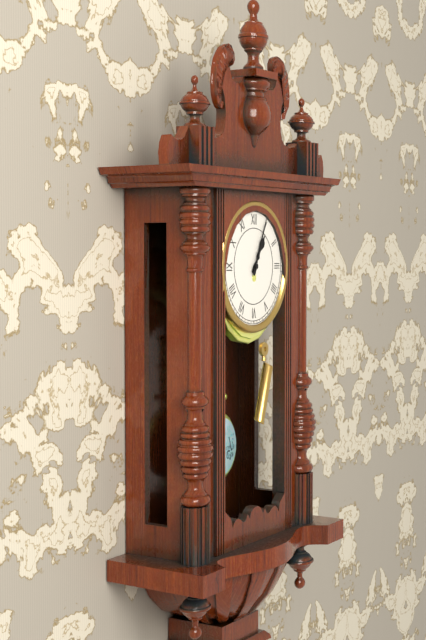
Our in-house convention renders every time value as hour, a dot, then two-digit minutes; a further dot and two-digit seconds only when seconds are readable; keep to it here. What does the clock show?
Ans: 1.04
